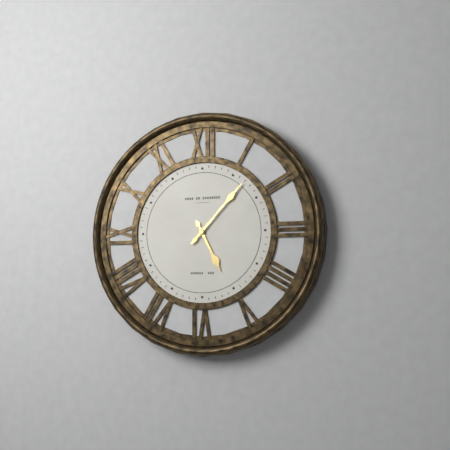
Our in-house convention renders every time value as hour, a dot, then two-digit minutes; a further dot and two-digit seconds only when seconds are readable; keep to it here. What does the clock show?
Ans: 5.07
